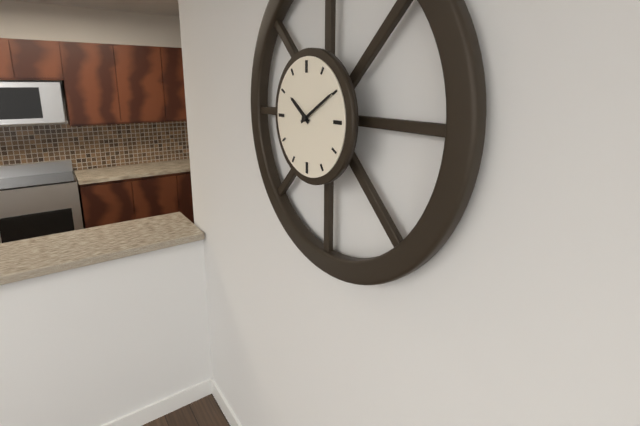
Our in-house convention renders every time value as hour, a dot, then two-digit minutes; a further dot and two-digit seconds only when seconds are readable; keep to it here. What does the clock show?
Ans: 10.10
